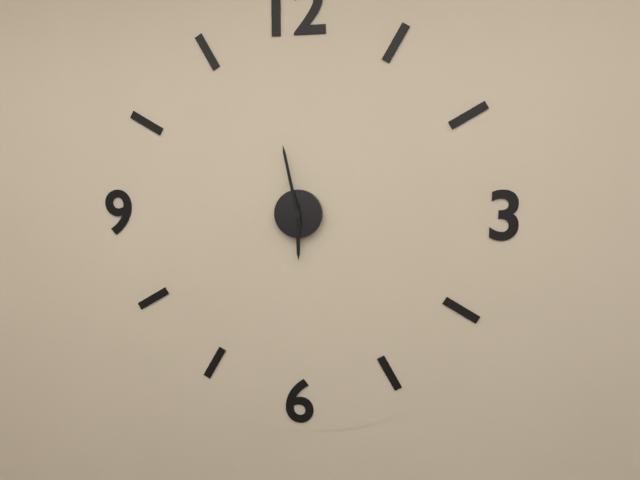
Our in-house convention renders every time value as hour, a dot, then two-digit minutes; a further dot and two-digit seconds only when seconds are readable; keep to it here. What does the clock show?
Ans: 5.58
